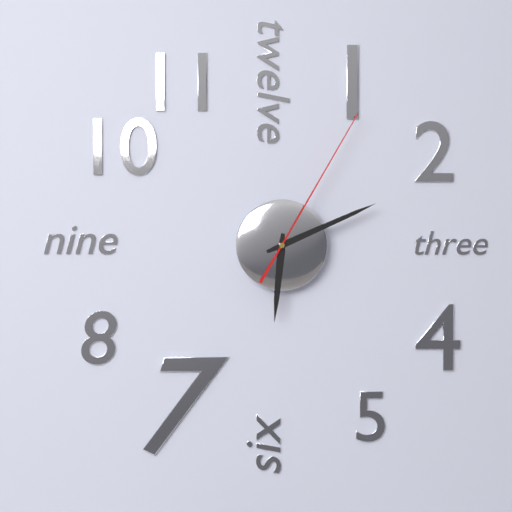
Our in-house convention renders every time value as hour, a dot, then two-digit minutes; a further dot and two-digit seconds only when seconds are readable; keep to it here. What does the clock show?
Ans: 6.11.05
